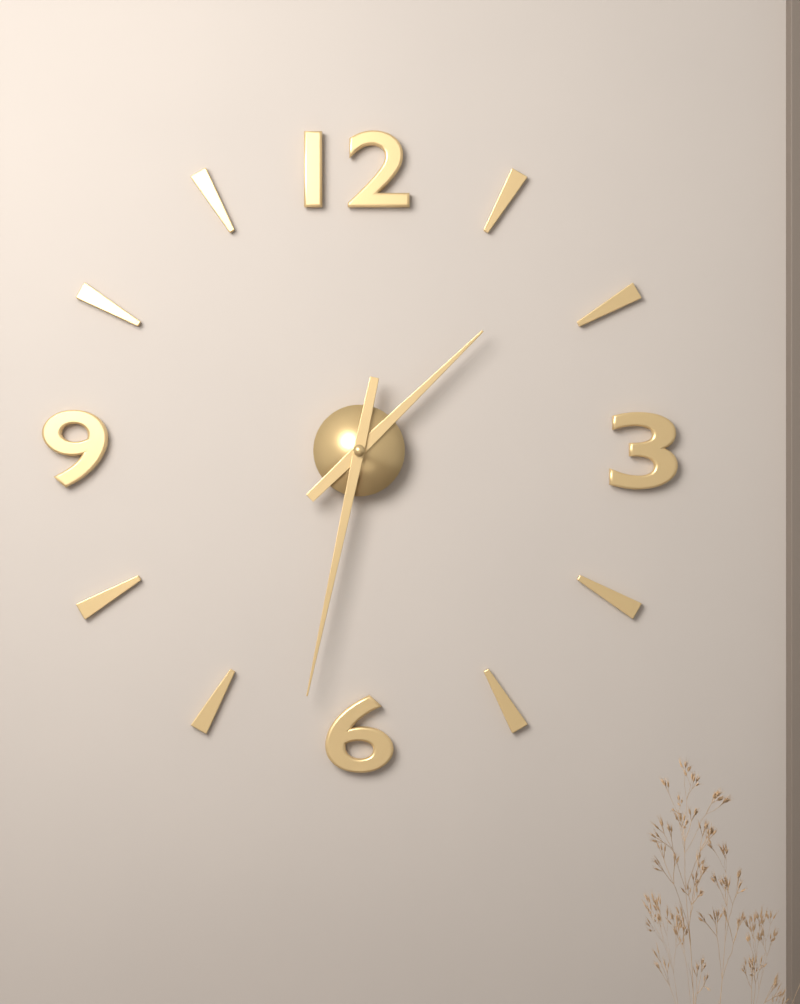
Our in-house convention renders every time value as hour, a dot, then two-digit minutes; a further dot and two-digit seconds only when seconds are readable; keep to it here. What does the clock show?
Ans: 1.32
